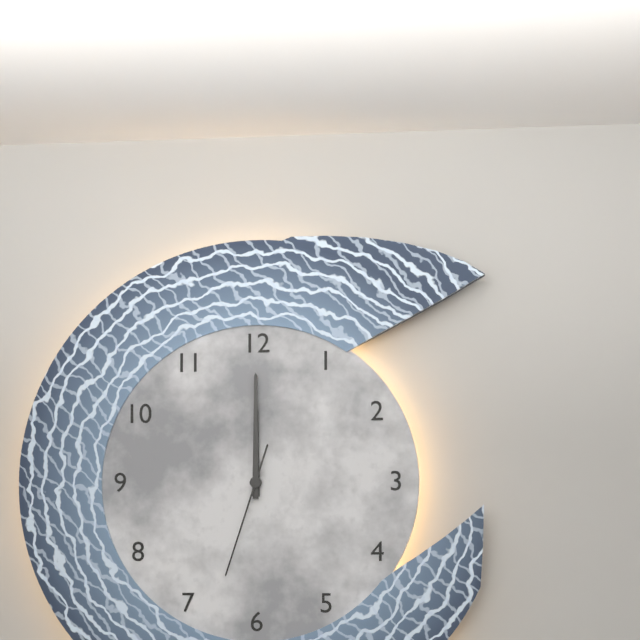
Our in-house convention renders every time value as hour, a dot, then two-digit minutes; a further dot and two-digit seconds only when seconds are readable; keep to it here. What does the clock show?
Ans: 12.00.33
